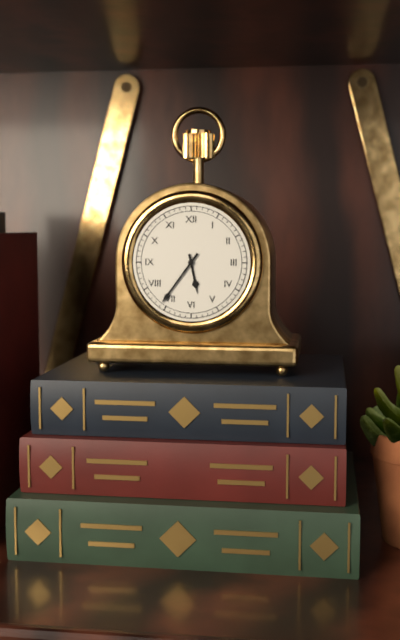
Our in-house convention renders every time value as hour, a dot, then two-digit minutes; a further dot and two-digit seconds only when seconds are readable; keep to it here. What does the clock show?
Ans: 5.36
